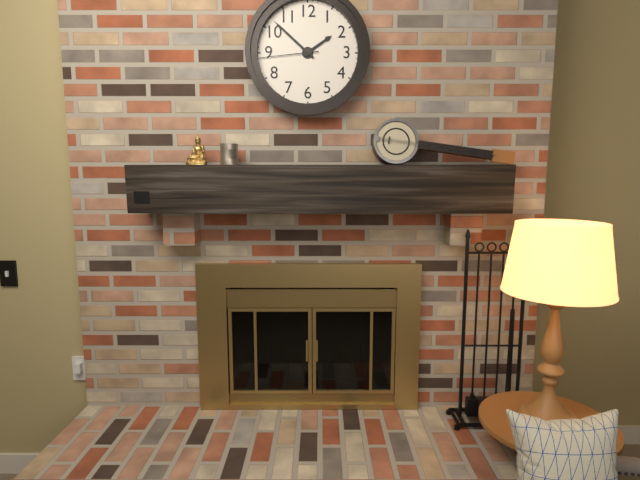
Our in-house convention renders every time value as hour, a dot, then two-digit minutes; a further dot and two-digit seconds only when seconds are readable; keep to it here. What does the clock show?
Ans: 1.52.44
